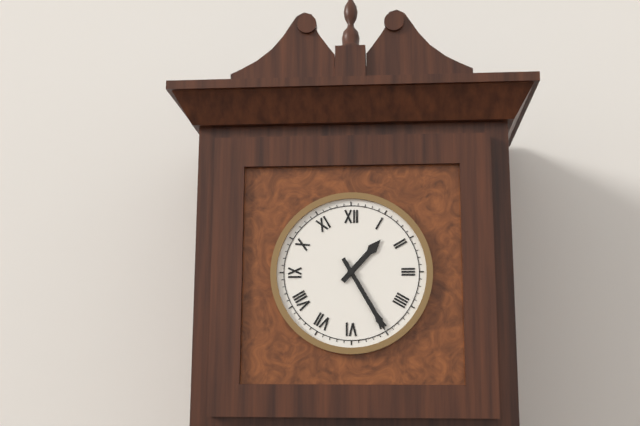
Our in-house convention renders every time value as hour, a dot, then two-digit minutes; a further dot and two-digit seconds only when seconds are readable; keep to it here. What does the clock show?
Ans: 1.25
